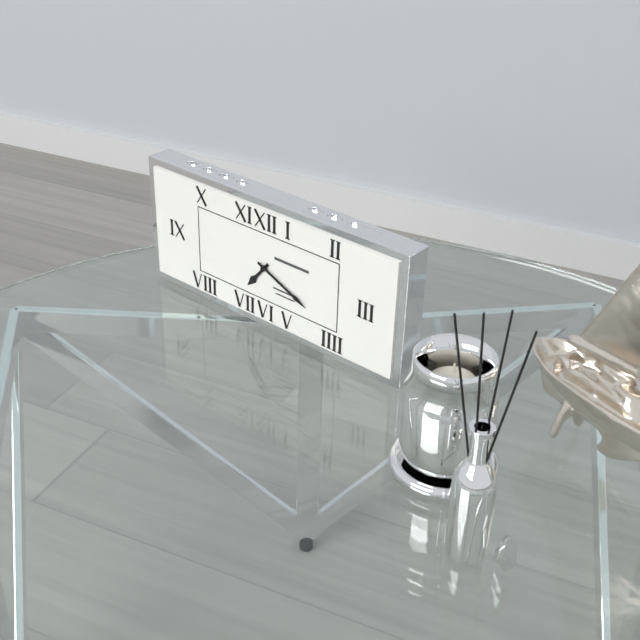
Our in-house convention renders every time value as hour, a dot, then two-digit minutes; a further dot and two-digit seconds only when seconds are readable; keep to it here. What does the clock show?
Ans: 7.19
